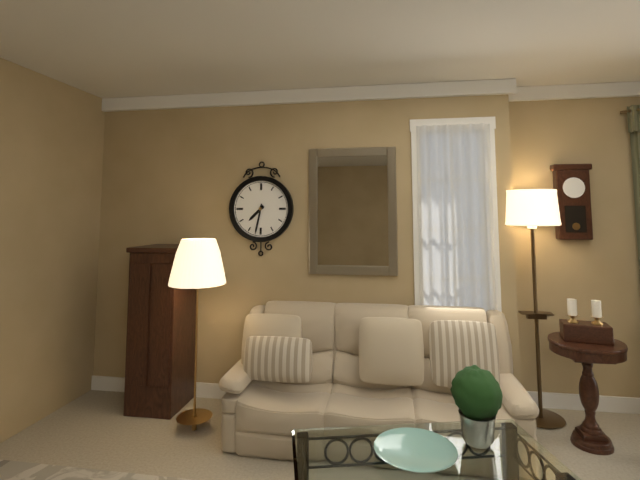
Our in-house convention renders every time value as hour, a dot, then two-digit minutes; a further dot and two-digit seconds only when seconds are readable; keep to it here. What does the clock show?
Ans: 7.32
